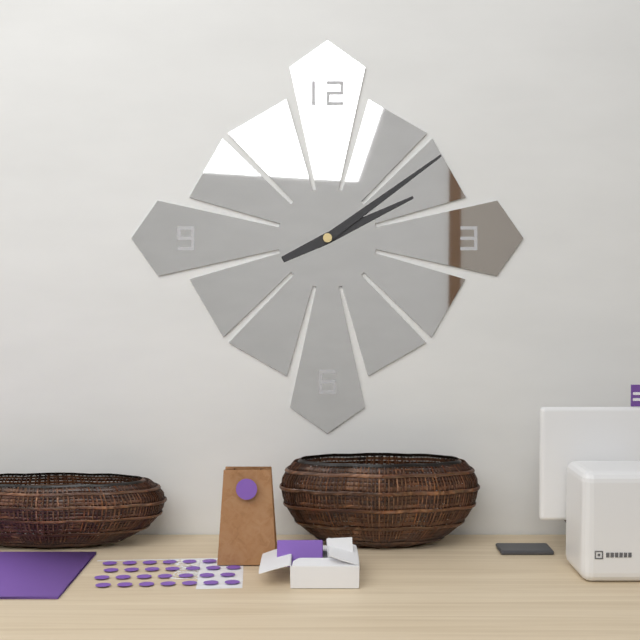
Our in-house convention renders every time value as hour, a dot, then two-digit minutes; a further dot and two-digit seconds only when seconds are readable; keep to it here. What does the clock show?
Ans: 2.09
